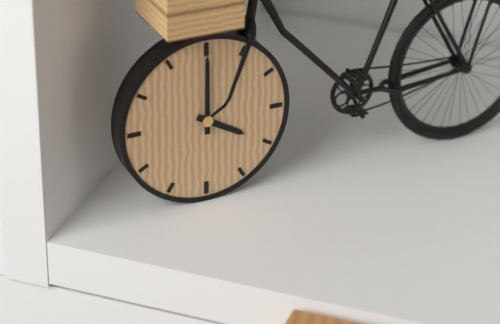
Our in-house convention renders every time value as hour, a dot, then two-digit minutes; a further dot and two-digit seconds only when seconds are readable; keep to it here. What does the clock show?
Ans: 4.00
